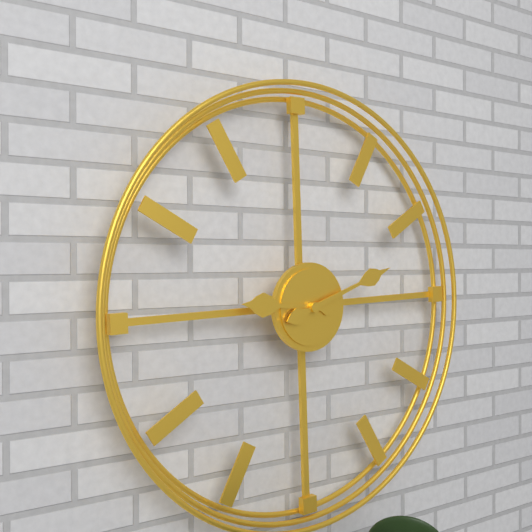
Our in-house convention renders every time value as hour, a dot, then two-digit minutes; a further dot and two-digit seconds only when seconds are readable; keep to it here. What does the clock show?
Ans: 9.12
